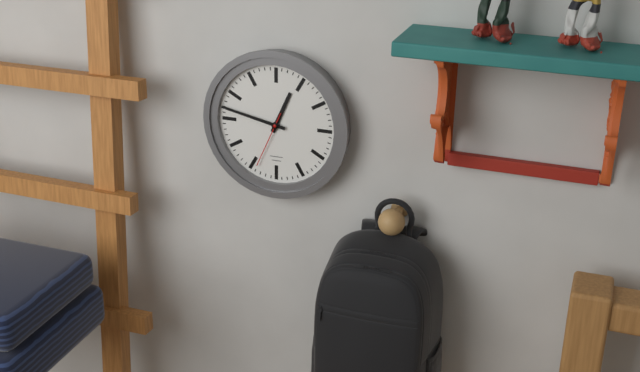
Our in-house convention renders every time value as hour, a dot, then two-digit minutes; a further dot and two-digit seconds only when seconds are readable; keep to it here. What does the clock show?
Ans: 12.47.34
